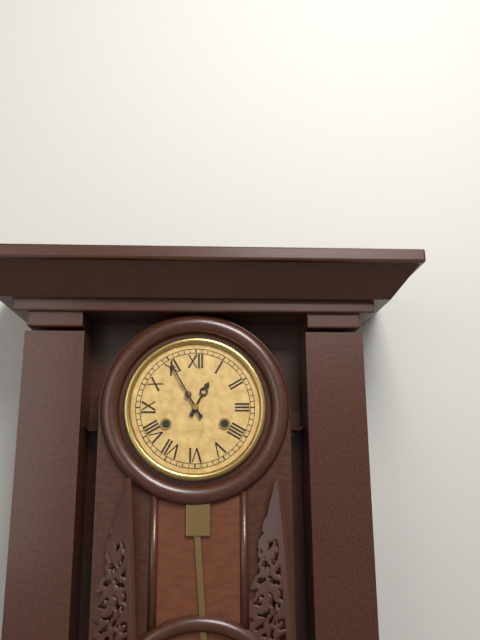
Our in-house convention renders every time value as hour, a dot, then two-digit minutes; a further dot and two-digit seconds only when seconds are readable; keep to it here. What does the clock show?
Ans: 12.55
